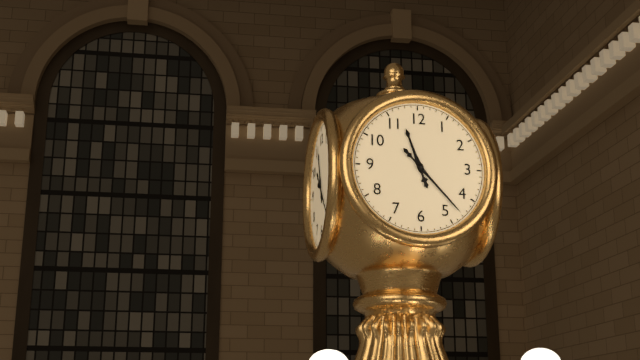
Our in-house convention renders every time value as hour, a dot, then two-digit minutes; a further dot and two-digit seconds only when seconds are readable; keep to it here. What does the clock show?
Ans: 11.23
